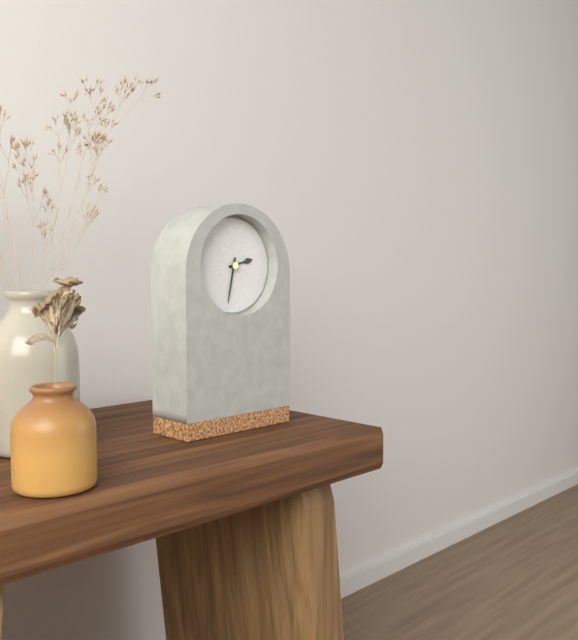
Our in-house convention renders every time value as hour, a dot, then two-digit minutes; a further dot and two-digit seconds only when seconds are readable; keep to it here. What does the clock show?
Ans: 2.32
